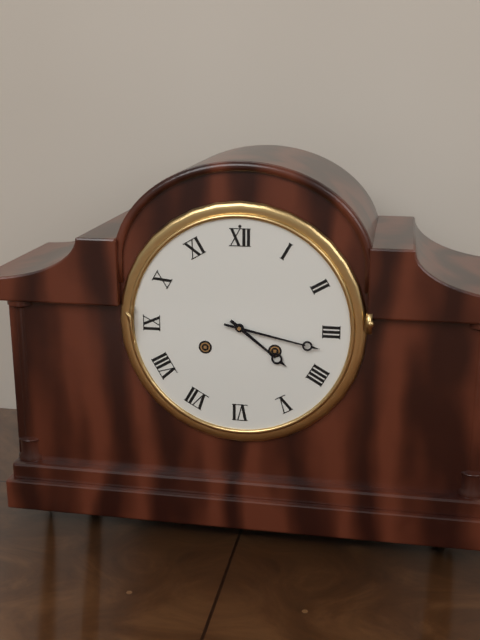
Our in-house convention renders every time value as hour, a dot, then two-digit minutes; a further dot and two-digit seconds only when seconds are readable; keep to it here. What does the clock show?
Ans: 4.17
